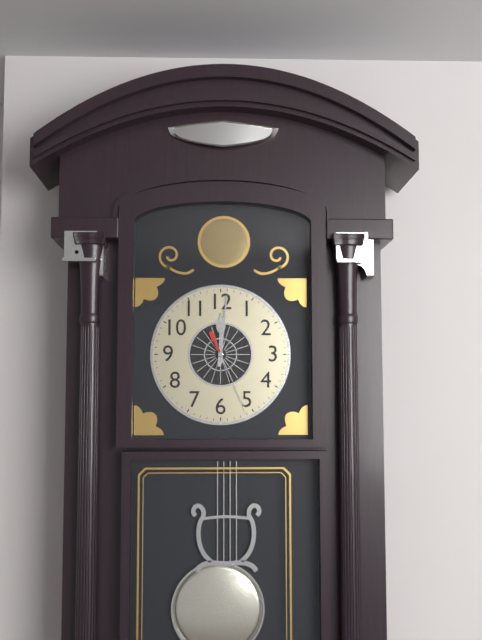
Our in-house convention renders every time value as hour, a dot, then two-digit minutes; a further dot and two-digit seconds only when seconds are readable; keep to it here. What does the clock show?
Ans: 12.01.26
